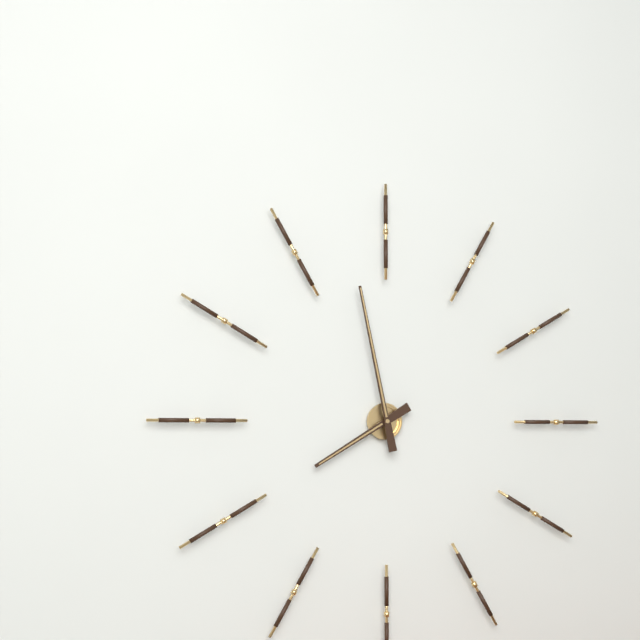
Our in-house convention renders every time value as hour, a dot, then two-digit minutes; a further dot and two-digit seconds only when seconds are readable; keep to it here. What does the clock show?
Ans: 7.58
